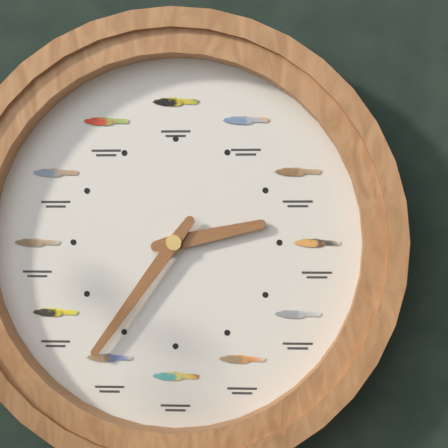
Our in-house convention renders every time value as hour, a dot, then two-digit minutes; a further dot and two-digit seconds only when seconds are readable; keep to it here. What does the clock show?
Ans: 2.36
